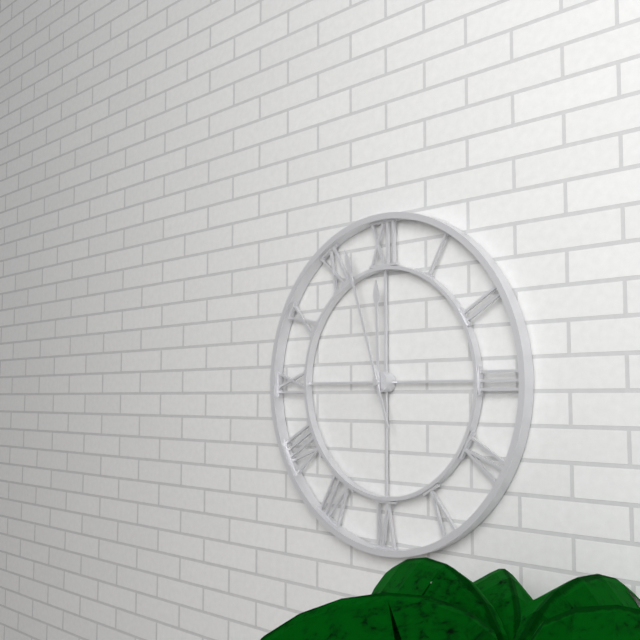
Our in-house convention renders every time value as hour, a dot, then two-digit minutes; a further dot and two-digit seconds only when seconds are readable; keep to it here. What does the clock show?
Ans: 11.57
